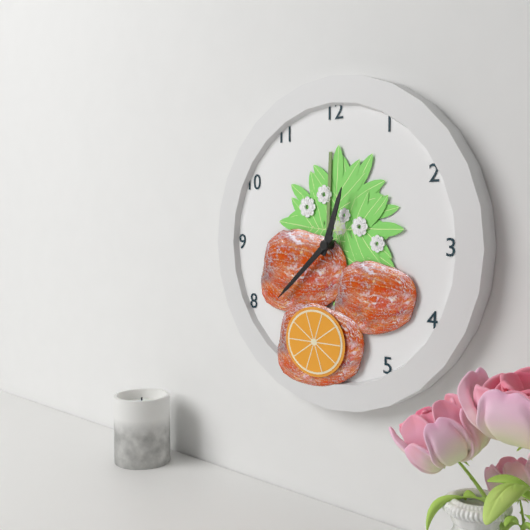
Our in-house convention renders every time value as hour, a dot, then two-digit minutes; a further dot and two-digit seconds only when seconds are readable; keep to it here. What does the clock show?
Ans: 12.38
